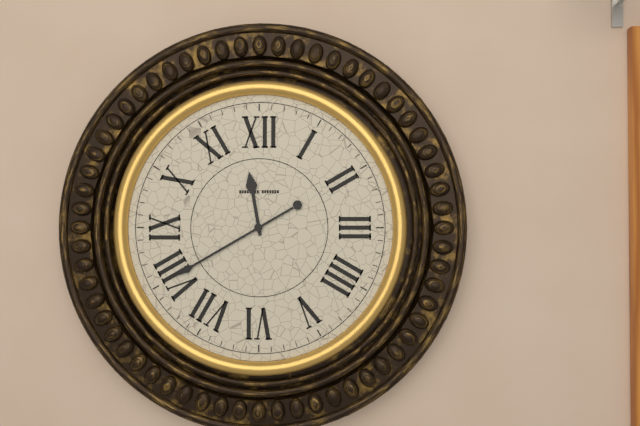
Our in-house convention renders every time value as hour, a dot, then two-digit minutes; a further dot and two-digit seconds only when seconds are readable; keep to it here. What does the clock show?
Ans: 11.40
